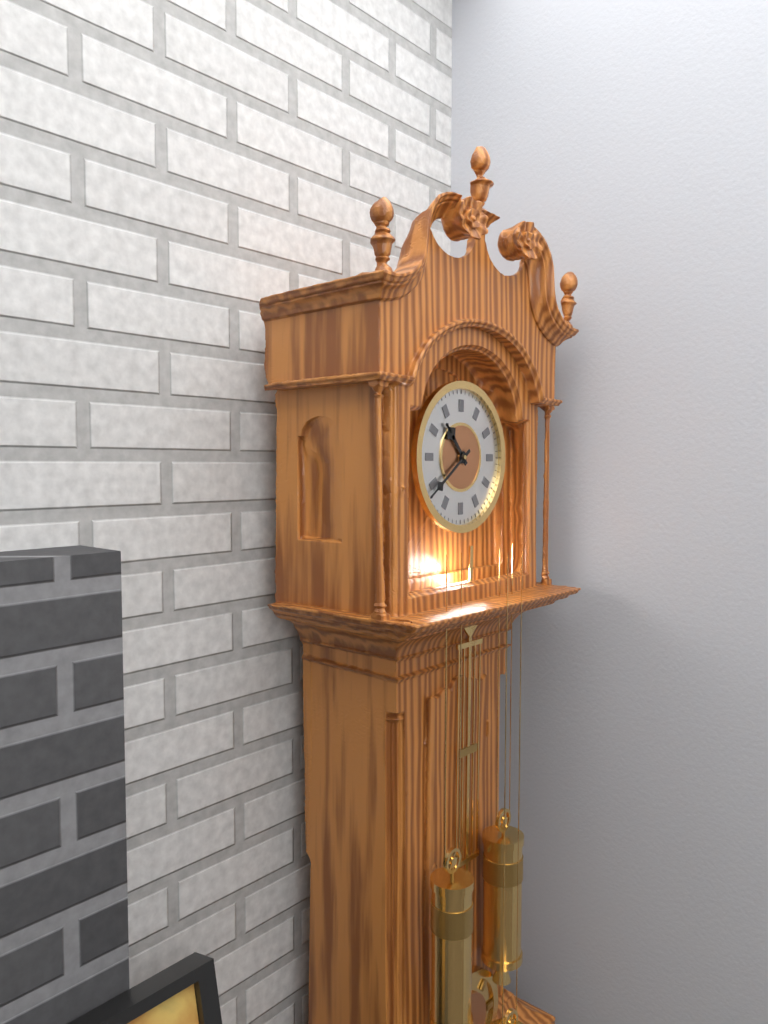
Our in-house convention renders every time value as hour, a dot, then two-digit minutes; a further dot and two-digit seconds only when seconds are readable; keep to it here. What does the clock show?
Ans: 10.39
